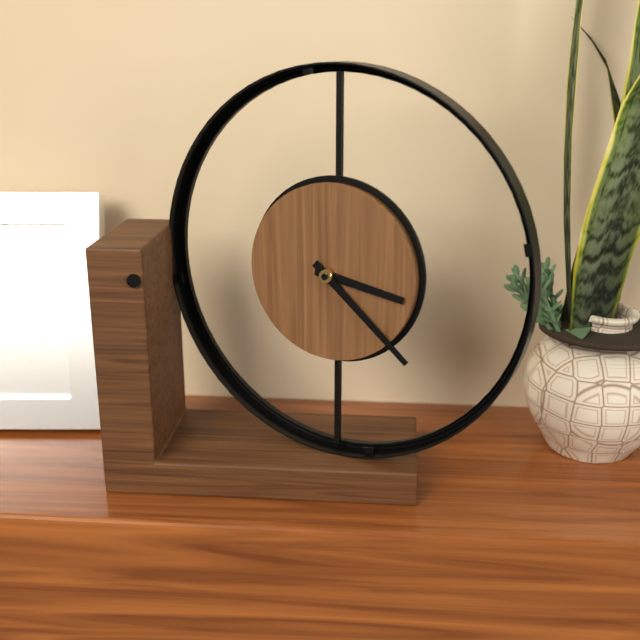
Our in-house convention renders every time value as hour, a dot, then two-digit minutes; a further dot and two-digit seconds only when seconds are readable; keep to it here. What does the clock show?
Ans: 3.22
